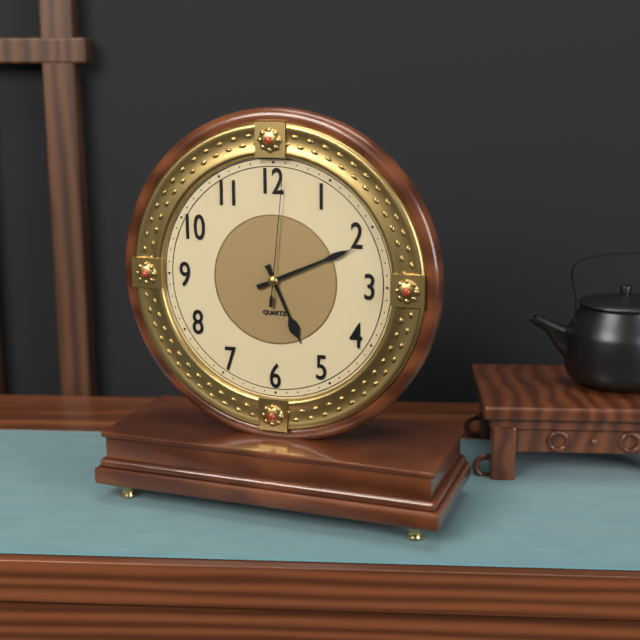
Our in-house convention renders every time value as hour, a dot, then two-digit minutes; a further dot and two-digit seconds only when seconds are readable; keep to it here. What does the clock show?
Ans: 5.11.01
